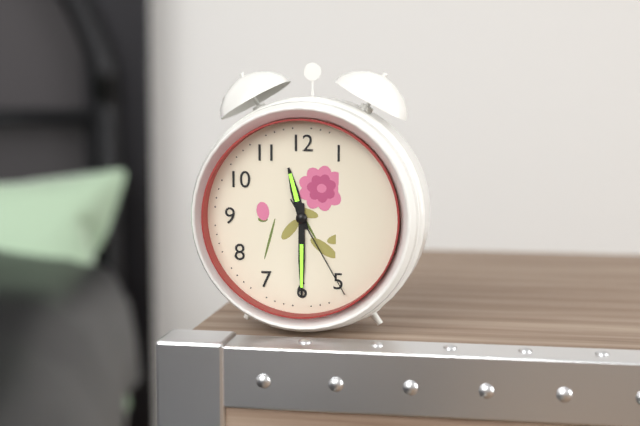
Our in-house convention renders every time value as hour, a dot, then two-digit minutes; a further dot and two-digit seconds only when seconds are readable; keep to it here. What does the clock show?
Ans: 11.30.25
